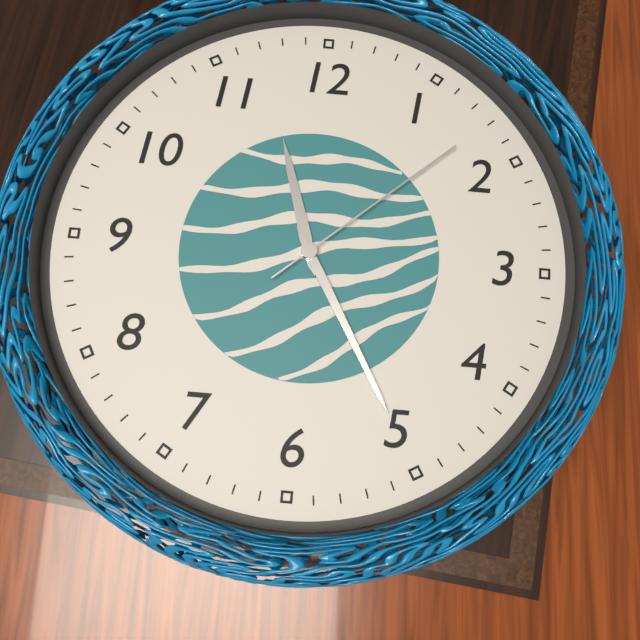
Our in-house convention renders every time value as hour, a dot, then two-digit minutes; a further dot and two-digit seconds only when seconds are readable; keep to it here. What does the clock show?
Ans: 11.25.08
